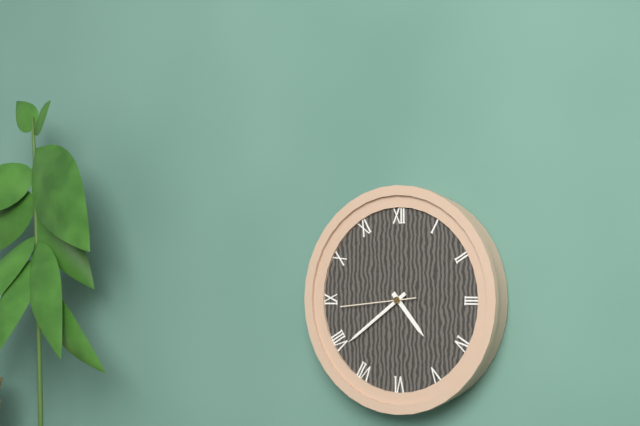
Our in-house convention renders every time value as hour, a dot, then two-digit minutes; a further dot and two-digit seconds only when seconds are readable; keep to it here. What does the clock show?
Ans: 4.39.44
